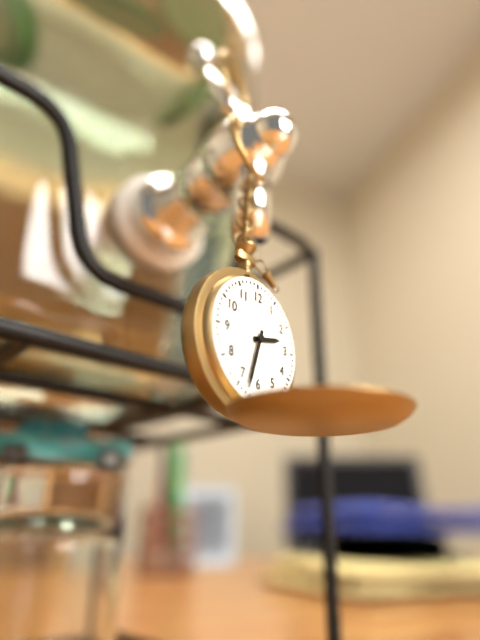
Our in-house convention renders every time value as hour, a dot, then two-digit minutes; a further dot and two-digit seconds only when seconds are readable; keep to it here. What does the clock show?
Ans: 2.33
